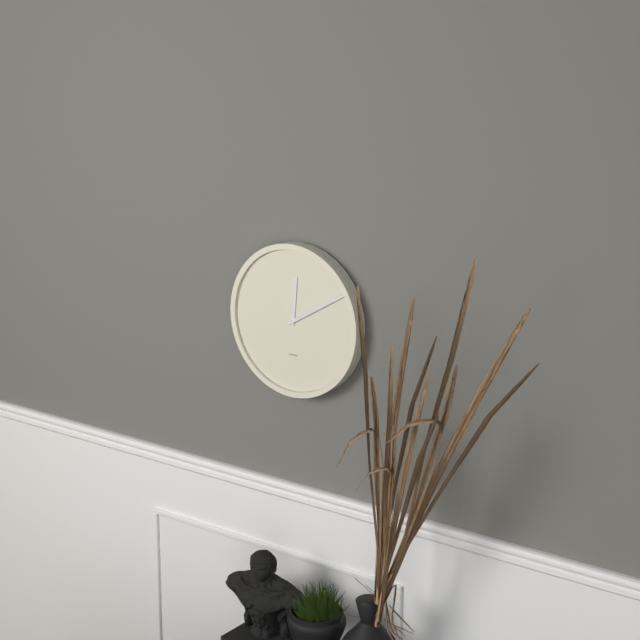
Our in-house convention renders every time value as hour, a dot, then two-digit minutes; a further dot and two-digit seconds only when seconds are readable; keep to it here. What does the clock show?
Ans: 12.10
